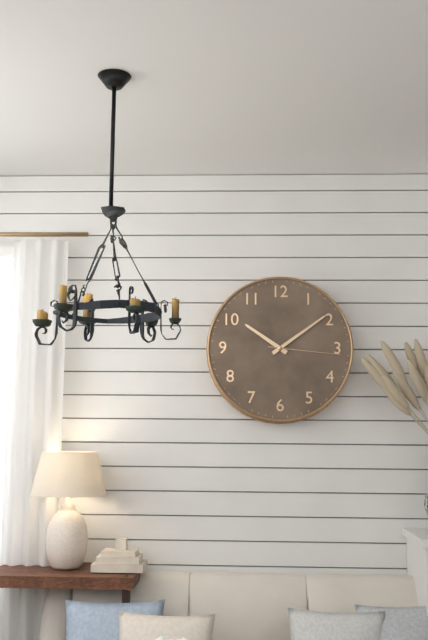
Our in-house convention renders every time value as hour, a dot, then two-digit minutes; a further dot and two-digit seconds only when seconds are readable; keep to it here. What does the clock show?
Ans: 10.09.16
